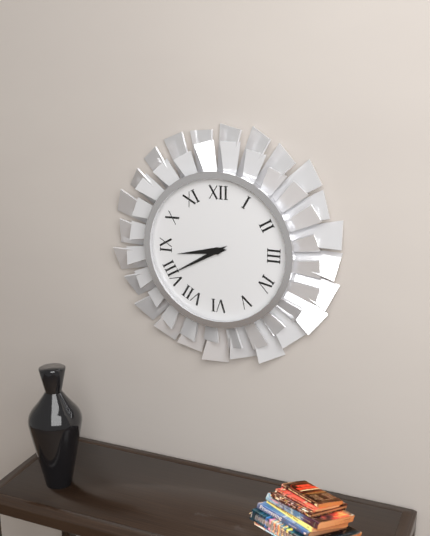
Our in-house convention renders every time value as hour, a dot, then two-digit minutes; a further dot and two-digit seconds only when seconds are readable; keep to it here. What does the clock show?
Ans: 8.40
